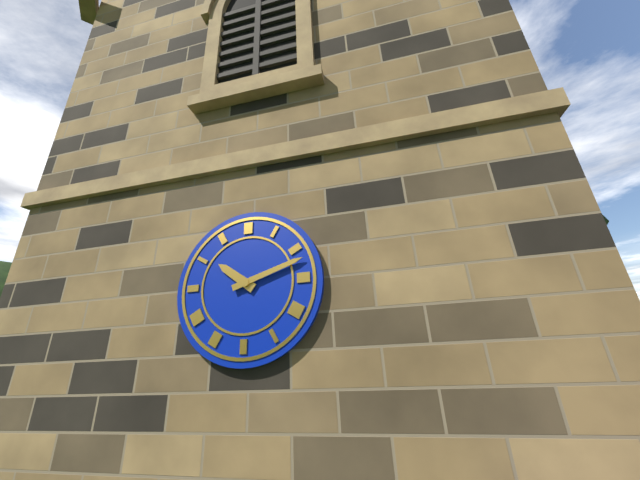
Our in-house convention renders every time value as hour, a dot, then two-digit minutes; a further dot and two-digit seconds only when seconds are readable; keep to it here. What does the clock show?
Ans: 10.12
